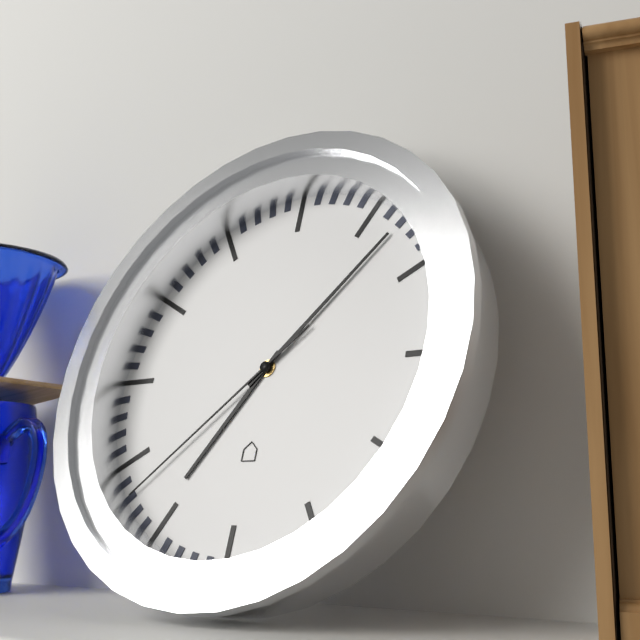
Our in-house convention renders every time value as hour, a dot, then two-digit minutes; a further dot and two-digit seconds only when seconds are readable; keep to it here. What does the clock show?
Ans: 7.07.38
